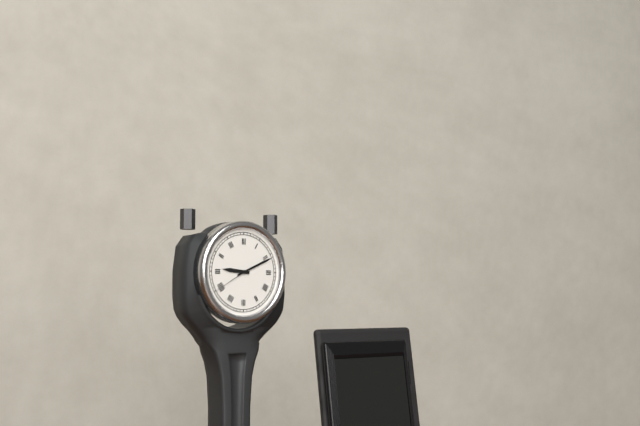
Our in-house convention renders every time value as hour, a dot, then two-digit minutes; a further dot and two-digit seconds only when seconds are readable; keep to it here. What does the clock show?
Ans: 9.11
